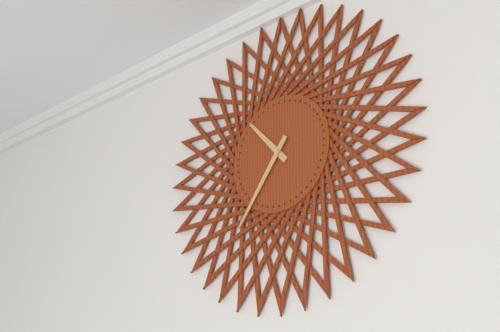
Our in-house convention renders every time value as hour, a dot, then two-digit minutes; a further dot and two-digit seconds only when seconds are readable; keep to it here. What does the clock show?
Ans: 10.36
